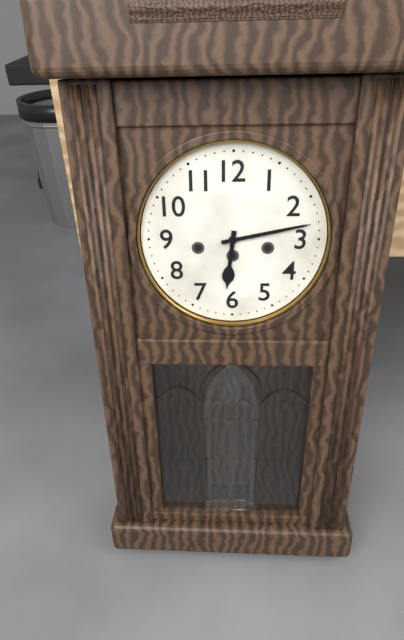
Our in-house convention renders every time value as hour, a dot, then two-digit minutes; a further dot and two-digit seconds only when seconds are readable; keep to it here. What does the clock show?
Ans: 6.13
